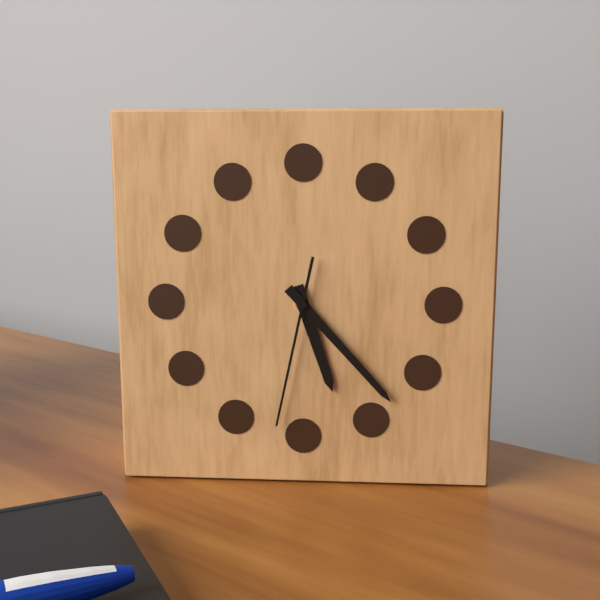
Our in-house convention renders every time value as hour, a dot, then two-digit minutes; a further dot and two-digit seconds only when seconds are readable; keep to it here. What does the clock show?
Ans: 5.23.32
